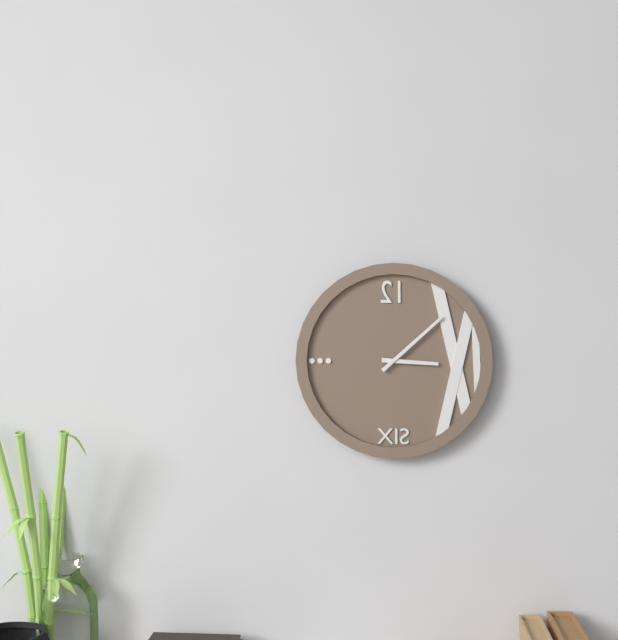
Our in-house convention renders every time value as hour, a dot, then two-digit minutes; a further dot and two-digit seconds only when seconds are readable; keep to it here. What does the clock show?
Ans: 3.08
